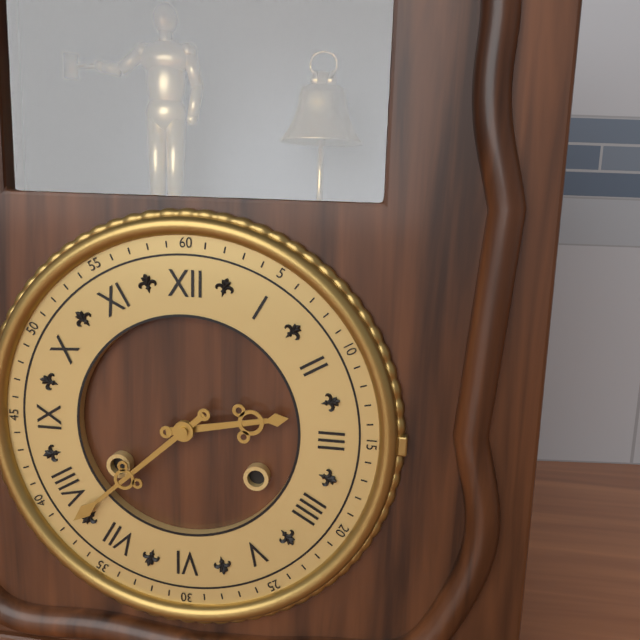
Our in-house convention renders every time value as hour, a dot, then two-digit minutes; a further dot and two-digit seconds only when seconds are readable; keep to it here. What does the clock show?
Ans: 2.38
